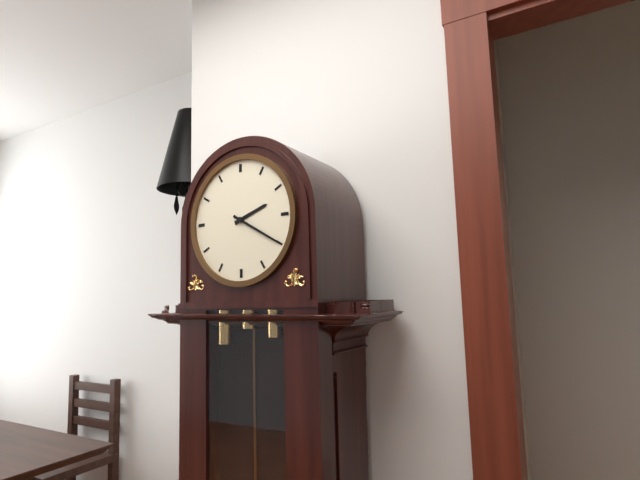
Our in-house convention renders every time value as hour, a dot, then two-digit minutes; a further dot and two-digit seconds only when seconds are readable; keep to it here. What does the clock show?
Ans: 2.20
